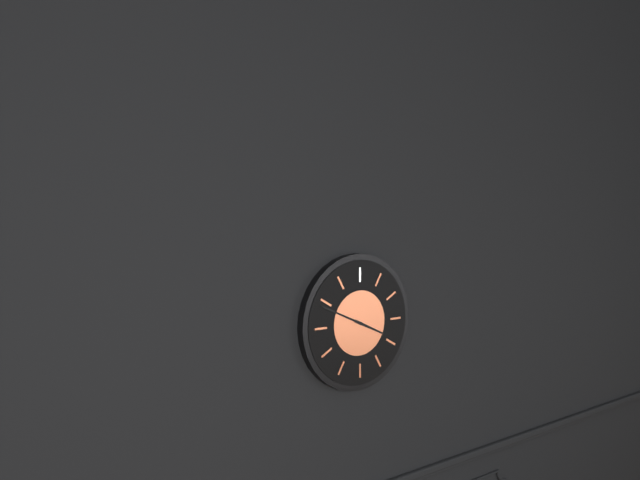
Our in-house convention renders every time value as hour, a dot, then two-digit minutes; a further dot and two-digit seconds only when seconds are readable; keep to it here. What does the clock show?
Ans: 3.49
